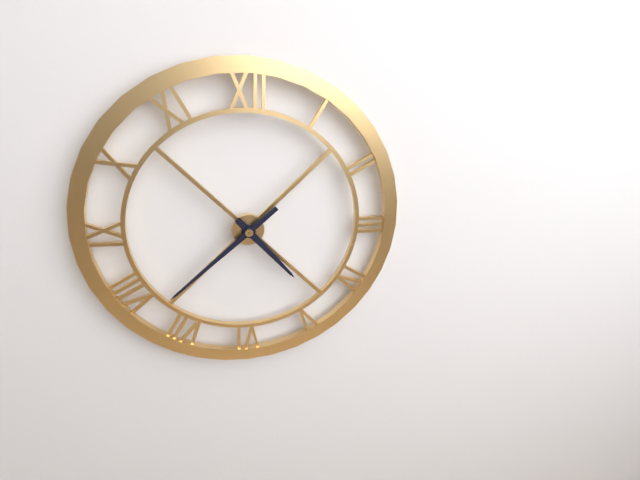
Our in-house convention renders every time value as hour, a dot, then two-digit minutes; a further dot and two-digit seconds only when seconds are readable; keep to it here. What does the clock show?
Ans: 4.38
